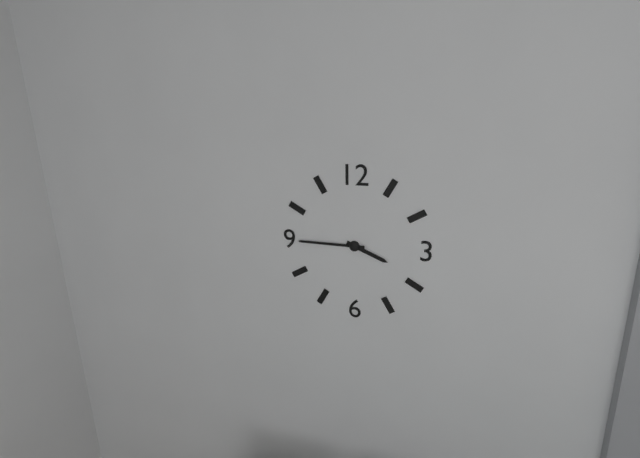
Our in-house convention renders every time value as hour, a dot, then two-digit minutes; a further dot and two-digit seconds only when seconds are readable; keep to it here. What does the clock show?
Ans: 3.45
